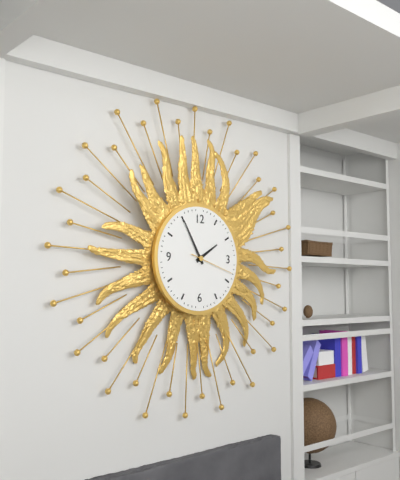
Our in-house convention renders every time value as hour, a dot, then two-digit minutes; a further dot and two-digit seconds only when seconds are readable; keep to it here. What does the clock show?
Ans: 1.55
